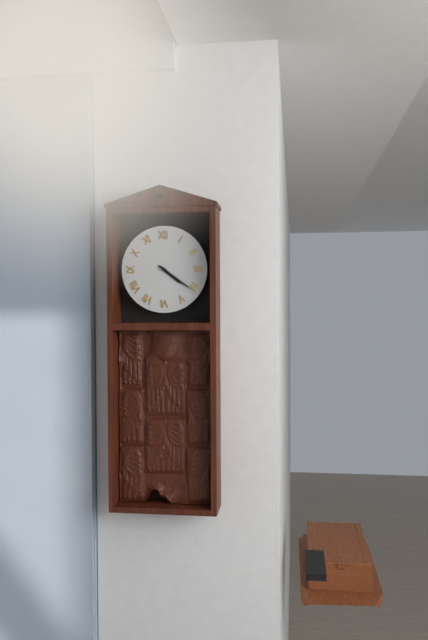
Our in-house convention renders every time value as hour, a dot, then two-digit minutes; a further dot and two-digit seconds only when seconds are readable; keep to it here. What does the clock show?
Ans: 4.21
